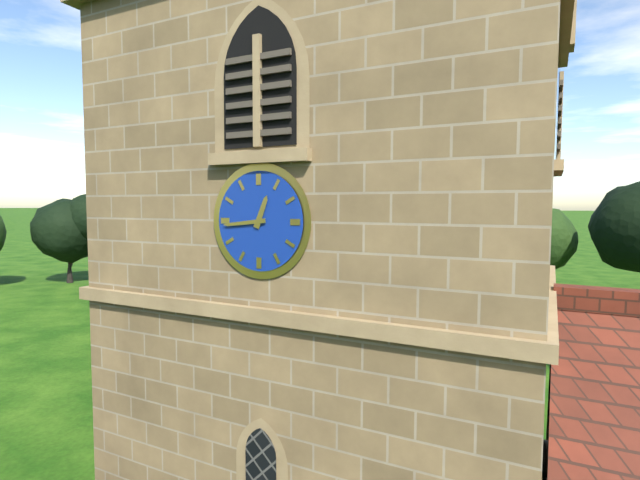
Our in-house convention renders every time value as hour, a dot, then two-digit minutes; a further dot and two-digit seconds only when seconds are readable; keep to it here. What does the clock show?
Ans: 12.44
